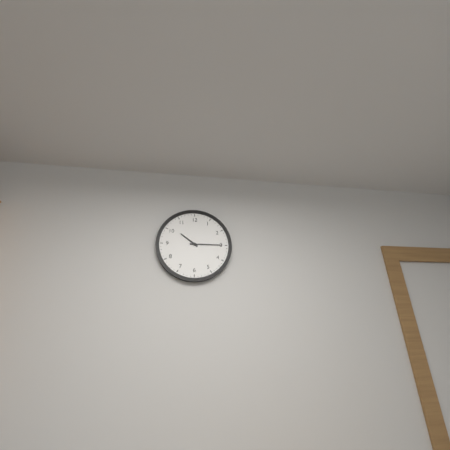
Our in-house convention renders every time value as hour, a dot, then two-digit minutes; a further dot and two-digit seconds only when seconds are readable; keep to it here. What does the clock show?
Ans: 10.15
